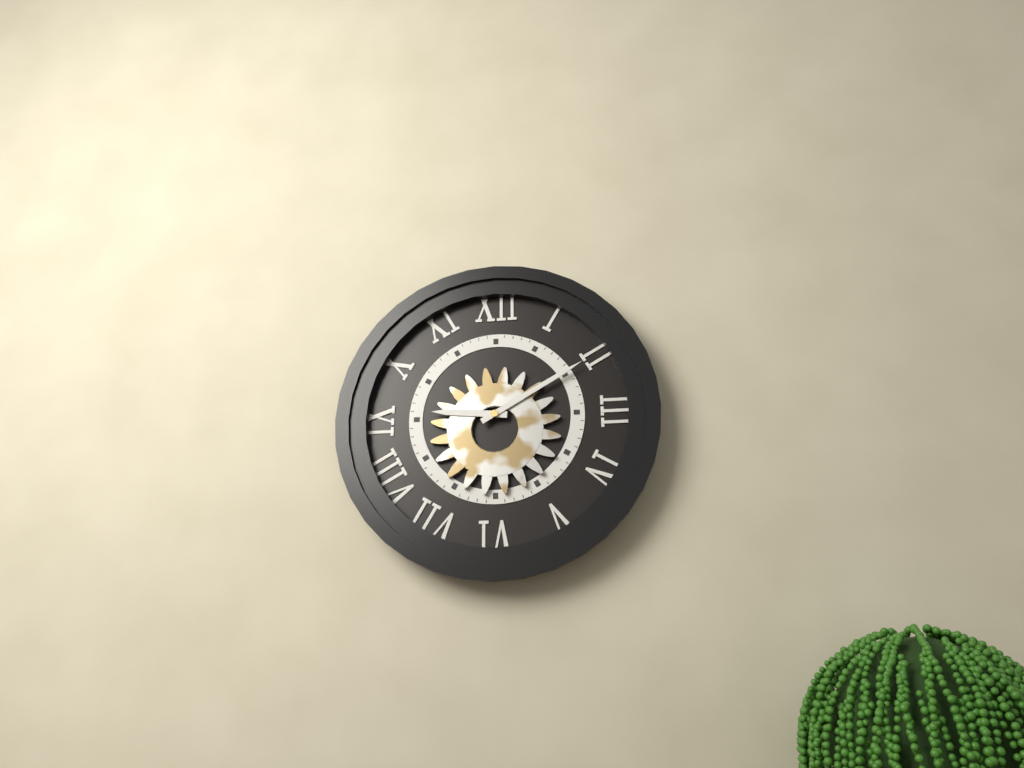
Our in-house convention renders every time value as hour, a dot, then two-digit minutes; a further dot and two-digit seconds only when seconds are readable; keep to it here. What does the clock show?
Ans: 9.10
